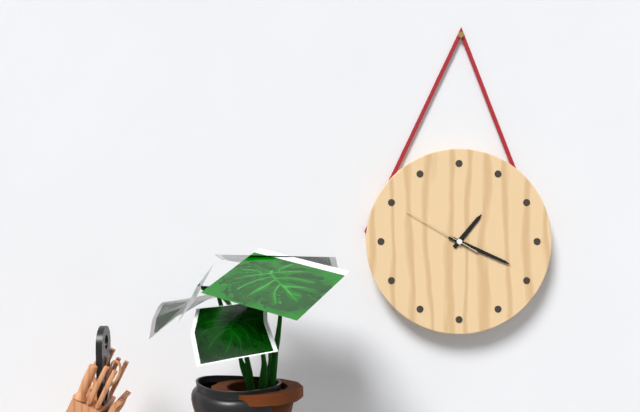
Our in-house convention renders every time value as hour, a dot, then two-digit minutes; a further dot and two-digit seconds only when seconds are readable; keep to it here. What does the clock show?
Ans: 1.19.50
